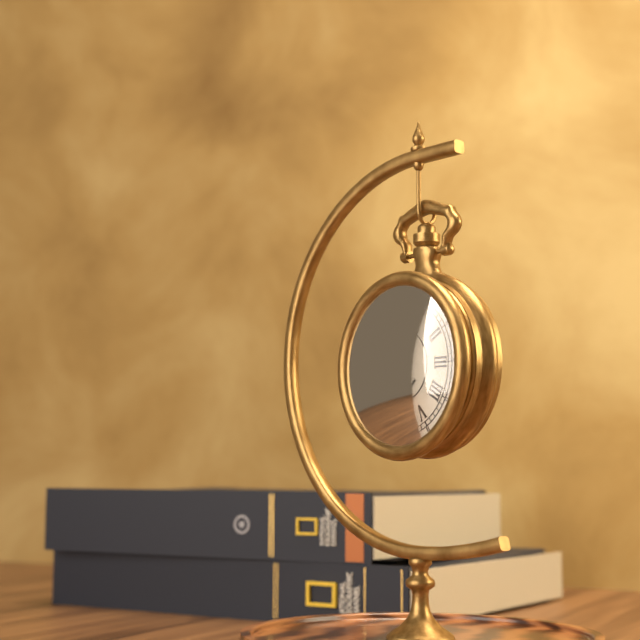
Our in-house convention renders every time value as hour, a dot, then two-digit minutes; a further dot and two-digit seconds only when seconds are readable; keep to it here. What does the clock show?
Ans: 9.54.53
